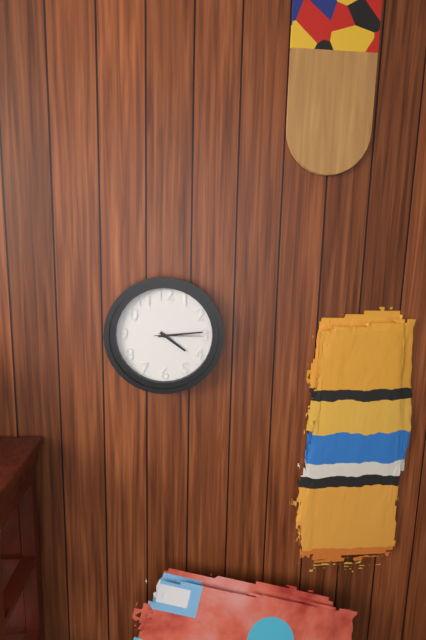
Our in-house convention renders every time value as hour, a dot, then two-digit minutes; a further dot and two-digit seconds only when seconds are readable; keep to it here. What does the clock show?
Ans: 4.14
